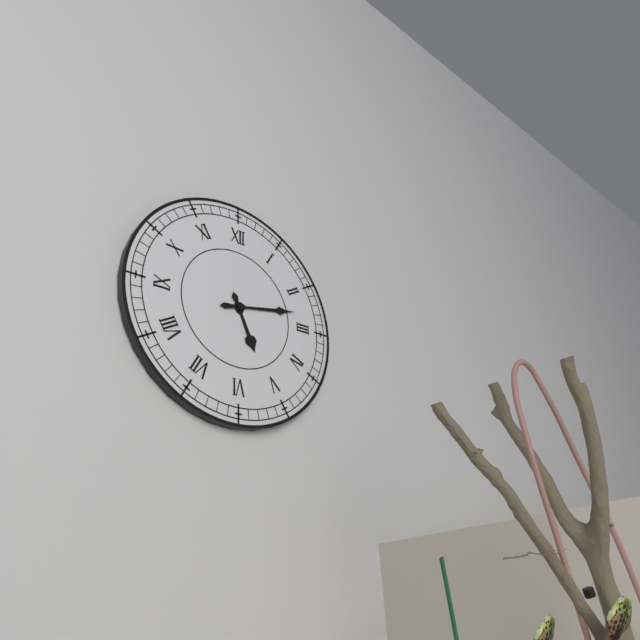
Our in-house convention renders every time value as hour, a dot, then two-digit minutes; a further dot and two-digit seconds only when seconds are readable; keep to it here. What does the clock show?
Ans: 5.13
